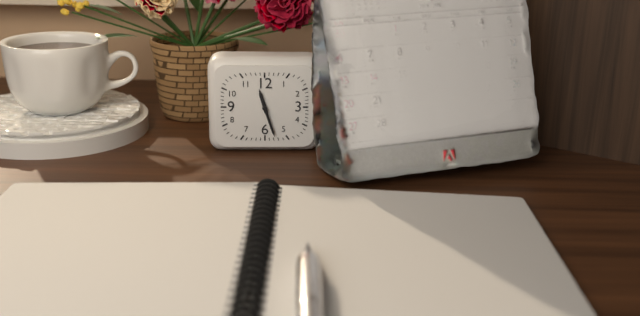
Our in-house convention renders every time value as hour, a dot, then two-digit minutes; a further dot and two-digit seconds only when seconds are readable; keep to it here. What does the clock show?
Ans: 11.27
